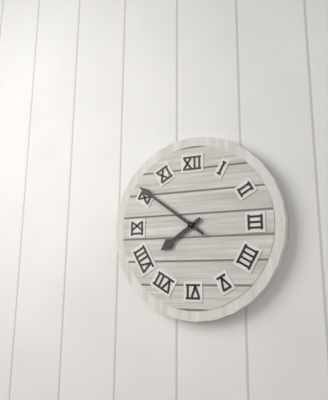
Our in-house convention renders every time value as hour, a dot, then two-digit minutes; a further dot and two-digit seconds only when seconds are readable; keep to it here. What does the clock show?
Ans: 7.51
